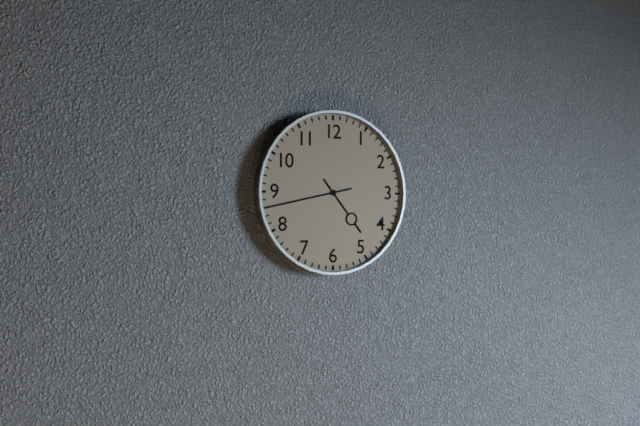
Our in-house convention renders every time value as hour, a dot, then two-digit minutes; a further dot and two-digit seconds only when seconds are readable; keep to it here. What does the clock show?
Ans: 4.43
